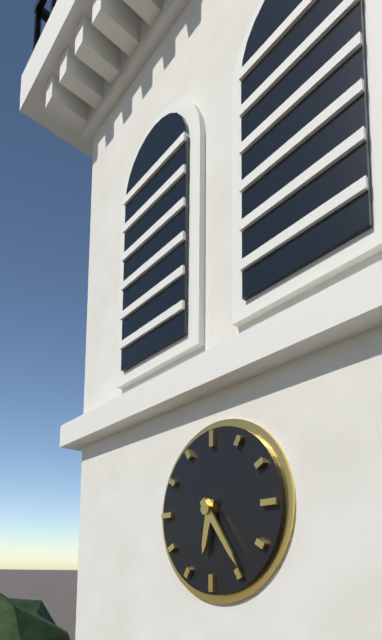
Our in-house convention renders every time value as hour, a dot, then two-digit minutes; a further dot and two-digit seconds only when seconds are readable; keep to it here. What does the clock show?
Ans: 6.24
